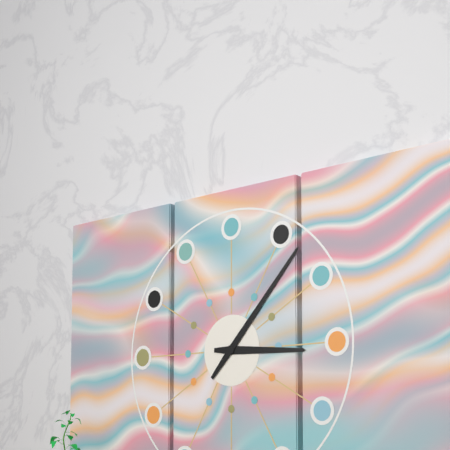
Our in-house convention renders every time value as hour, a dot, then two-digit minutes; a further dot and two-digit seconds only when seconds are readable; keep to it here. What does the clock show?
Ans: 3.07
